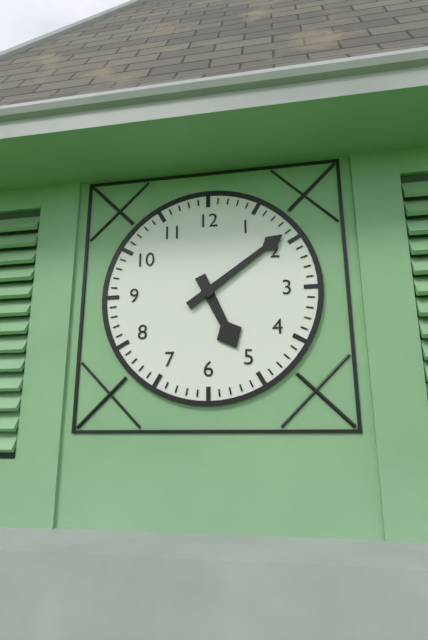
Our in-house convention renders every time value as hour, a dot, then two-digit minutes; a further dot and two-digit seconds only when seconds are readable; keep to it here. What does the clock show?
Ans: 5.09
